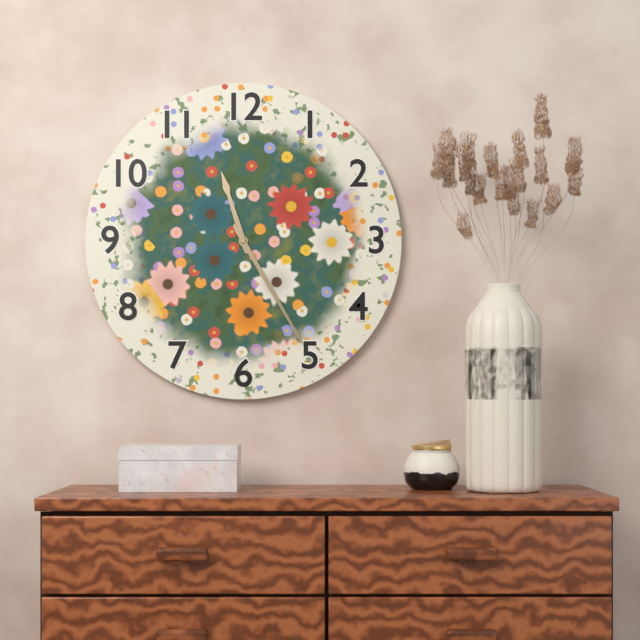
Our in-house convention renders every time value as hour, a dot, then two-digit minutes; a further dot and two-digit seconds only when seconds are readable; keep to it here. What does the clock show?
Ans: 11.25
